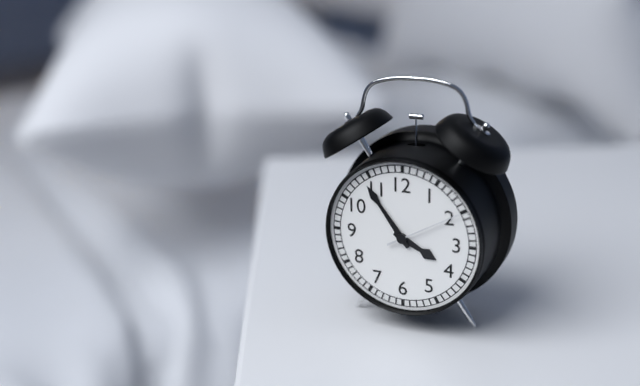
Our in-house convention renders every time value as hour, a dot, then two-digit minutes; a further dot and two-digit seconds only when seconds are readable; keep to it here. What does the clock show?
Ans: 3.54.10
